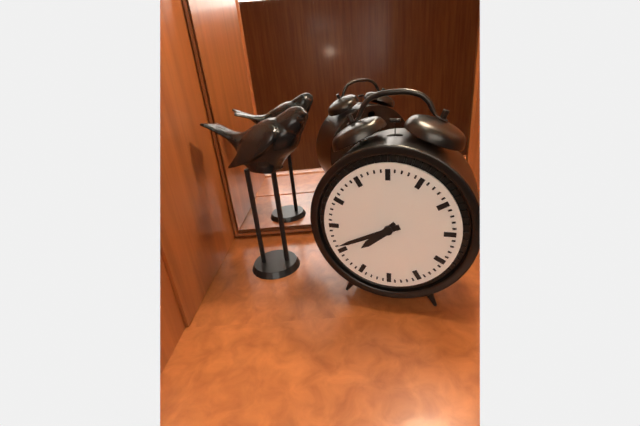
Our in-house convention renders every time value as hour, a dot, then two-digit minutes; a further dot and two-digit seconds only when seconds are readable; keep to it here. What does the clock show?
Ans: 7.41
